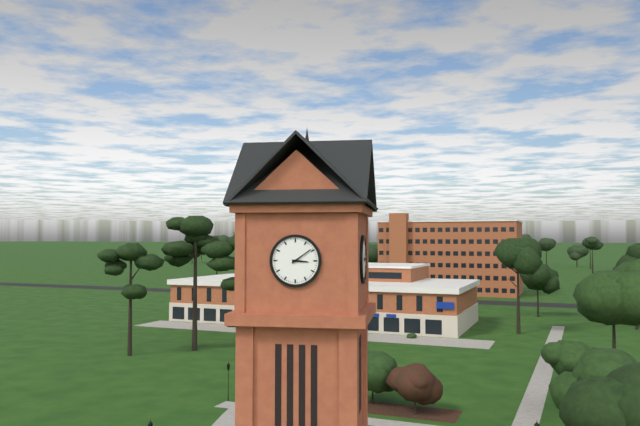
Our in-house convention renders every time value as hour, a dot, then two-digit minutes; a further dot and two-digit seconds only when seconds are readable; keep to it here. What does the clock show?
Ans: 3.09
